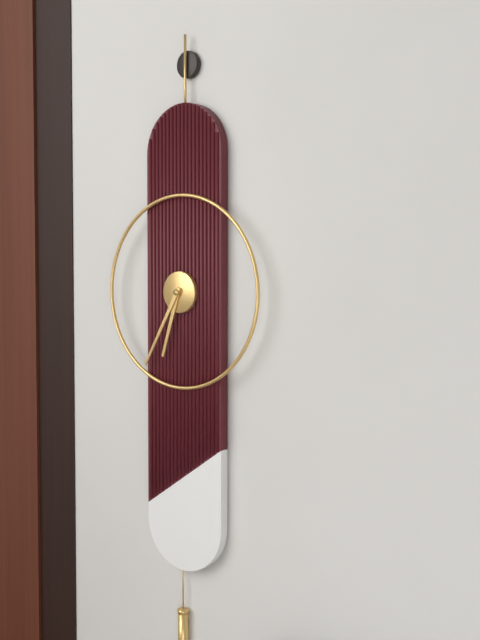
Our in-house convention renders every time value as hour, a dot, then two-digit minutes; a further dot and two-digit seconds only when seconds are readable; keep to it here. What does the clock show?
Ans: 6.35
